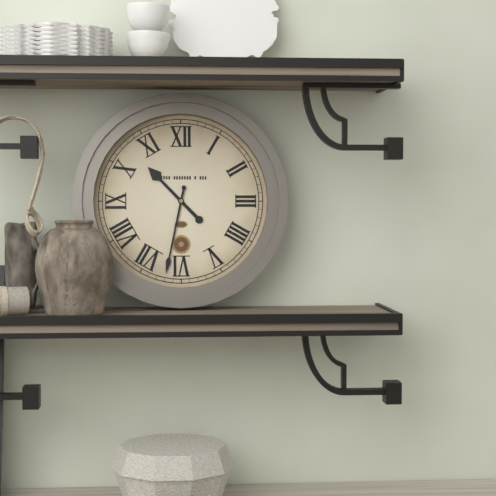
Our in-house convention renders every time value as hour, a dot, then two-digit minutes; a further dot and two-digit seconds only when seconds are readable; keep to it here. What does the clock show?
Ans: 10.32
